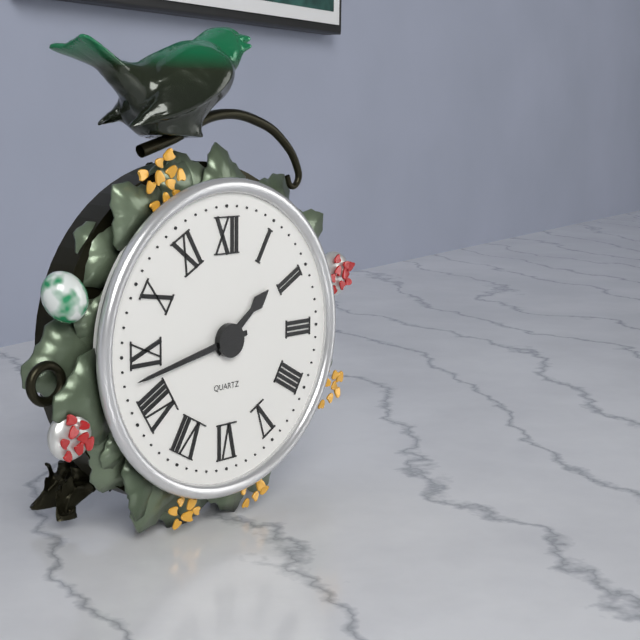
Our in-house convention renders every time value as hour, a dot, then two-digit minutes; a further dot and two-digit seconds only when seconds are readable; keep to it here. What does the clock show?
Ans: 1.43
